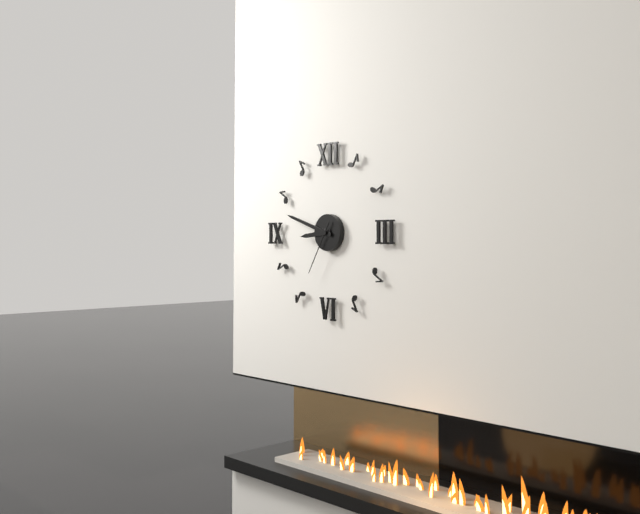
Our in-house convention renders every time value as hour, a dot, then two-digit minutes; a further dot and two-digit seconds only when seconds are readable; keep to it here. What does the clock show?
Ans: 8.48.35
